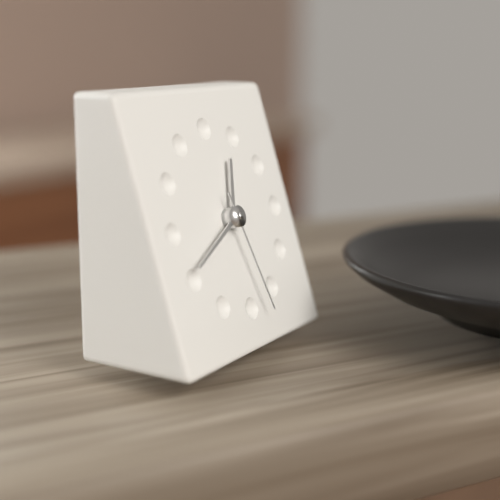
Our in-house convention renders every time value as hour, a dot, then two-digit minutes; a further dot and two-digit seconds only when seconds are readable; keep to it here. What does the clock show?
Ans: 12.41.28
